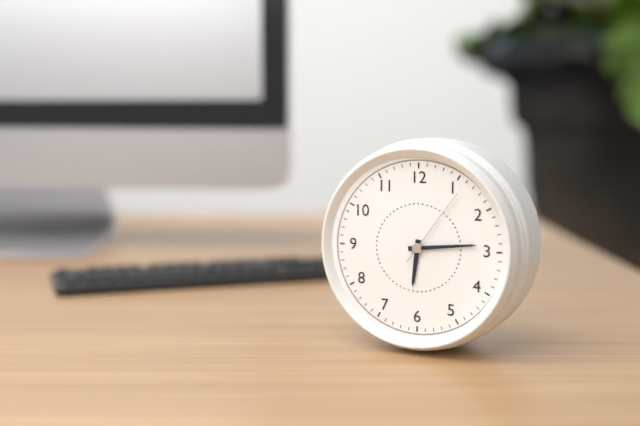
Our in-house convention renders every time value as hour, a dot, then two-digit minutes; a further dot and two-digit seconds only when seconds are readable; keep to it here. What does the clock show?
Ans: 6.14.06
